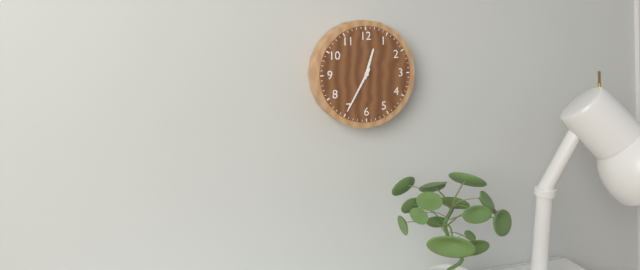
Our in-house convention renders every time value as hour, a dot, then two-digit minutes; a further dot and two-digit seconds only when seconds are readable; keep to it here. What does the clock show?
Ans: 12.35
